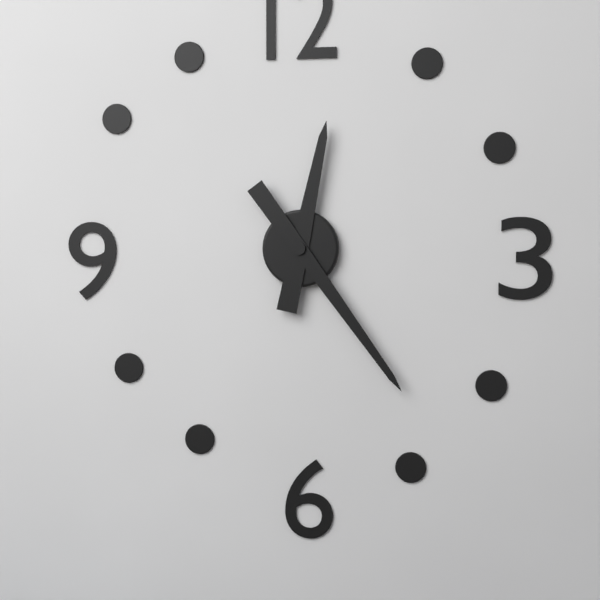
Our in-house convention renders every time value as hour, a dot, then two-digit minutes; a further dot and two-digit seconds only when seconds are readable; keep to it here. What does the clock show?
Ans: 12.24
